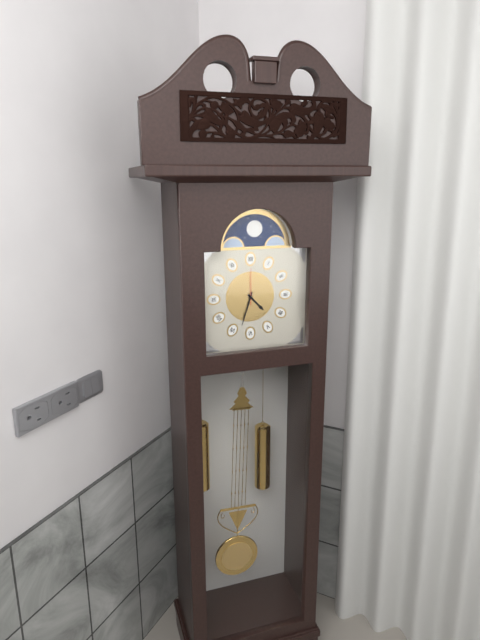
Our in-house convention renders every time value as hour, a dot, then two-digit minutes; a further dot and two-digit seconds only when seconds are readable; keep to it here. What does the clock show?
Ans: 4.33
